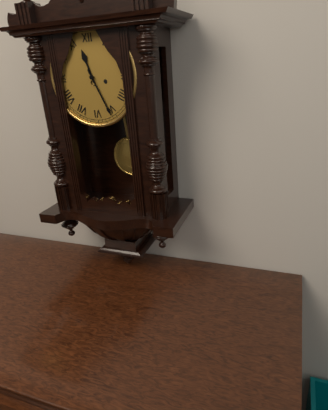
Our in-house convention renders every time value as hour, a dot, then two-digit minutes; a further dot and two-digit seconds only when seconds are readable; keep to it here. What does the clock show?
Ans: 11.26
